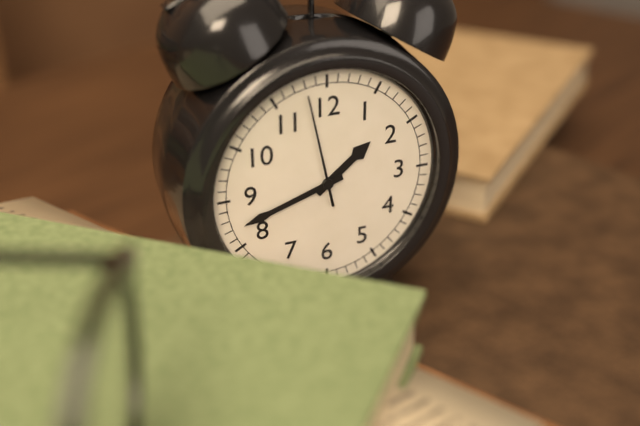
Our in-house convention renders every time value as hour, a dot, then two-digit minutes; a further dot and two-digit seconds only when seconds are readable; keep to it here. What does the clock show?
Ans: 1.42.58
